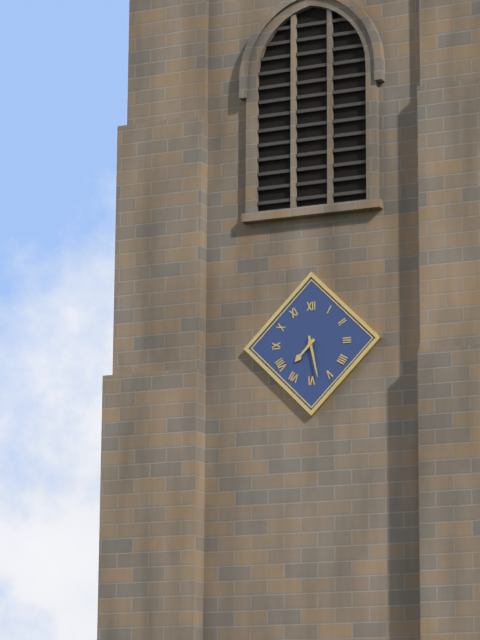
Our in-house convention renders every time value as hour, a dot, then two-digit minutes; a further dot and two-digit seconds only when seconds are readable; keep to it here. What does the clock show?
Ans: 7.28
